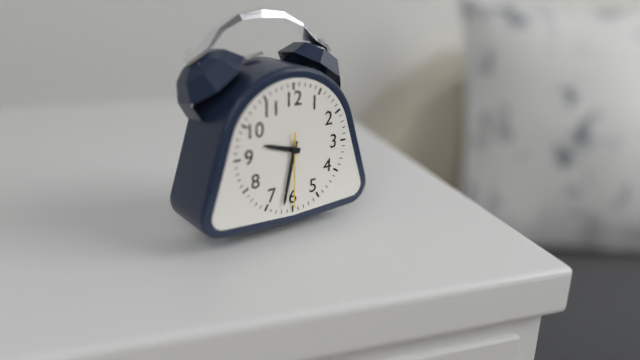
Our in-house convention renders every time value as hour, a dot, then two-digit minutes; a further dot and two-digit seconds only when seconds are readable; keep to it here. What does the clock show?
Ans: 9.32.30
